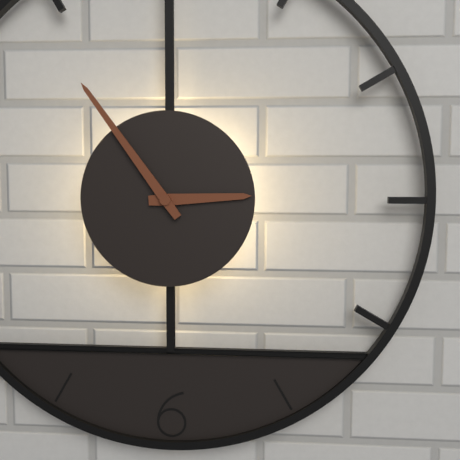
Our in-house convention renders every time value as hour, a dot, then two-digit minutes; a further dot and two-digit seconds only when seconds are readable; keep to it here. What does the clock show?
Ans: 2.54
